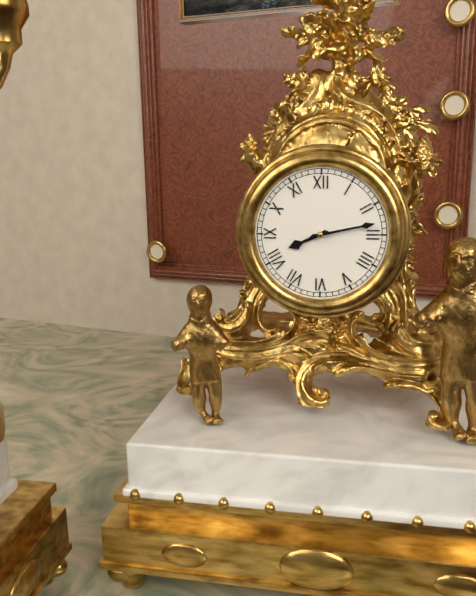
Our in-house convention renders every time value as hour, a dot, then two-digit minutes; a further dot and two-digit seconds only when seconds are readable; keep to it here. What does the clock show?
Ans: 8.13
